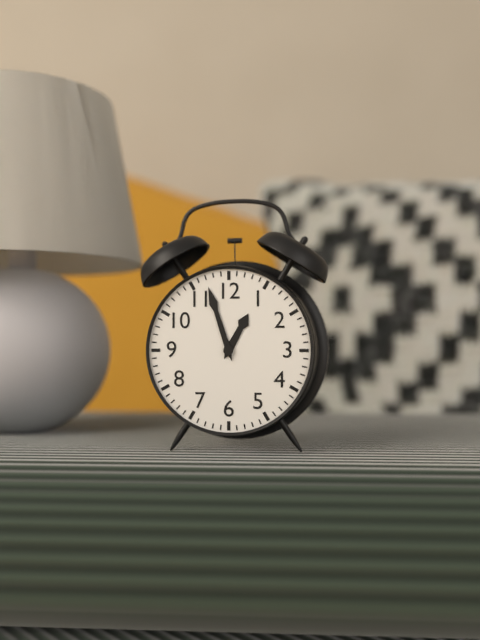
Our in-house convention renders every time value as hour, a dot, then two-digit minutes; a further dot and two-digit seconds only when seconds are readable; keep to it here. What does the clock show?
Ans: 12.57
